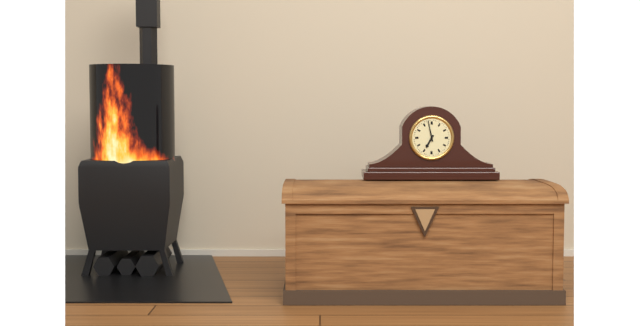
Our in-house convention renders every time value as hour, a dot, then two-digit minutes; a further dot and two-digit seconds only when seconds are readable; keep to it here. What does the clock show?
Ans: 6.58
